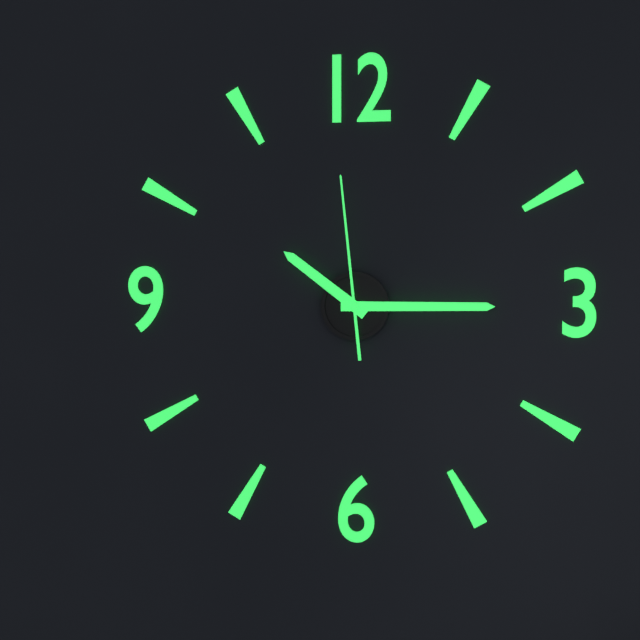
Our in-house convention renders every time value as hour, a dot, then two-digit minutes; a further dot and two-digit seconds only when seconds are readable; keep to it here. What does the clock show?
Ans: 10.15.59
